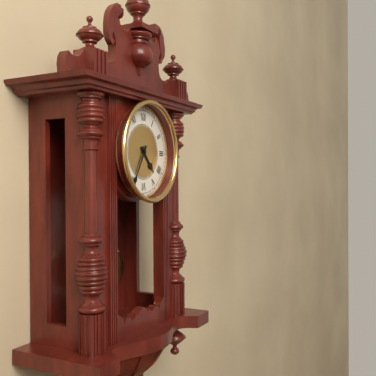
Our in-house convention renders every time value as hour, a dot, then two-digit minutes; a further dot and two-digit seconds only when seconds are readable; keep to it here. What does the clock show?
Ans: 4.35
